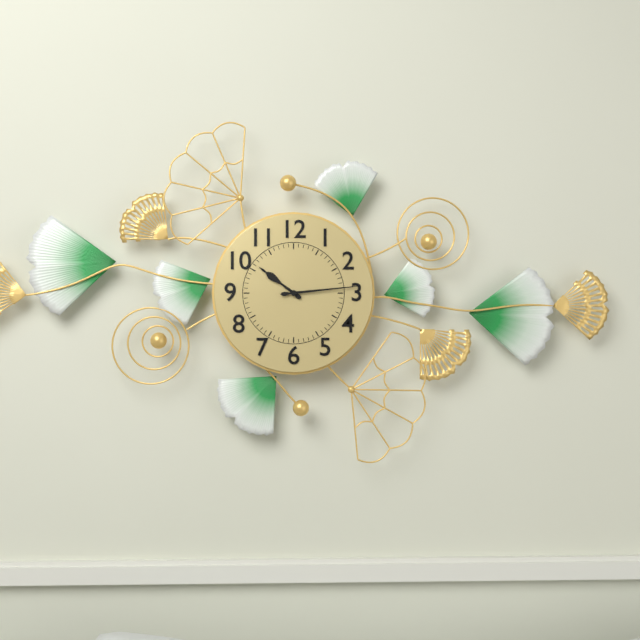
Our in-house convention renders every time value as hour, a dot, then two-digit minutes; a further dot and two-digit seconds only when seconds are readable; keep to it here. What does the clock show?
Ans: 10.14
